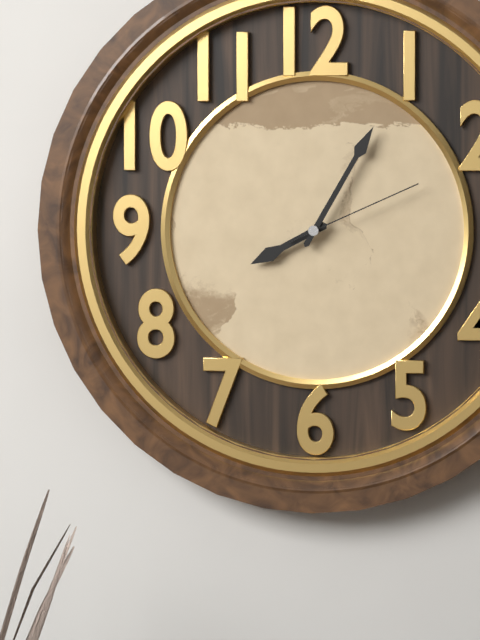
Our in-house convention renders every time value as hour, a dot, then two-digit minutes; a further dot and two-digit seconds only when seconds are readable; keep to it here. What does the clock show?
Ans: 8.05.11
